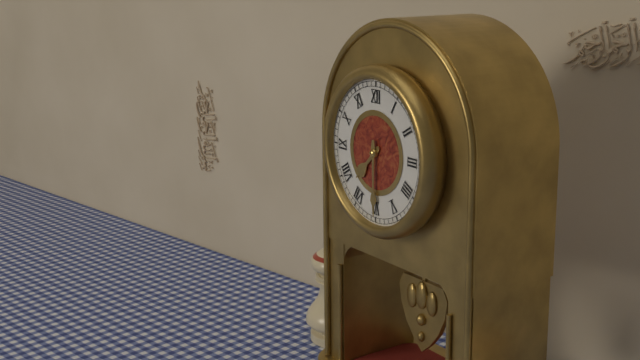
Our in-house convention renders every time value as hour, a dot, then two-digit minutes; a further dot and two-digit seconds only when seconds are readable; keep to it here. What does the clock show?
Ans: 7.30
